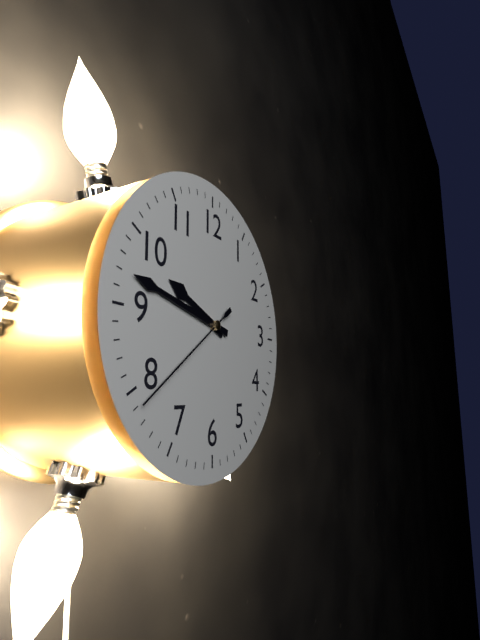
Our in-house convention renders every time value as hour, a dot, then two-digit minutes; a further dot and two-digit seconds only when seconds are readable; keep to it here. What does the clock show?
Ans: 9.47.39
